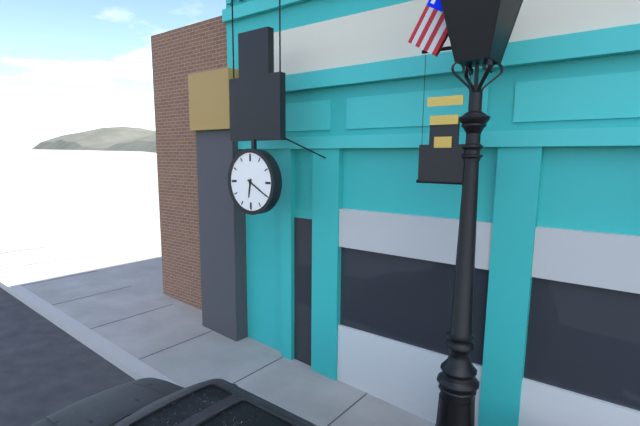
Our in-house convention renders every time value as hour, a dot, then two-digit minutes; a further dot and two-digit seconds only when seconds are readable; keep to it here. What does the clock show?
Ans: 6.20
